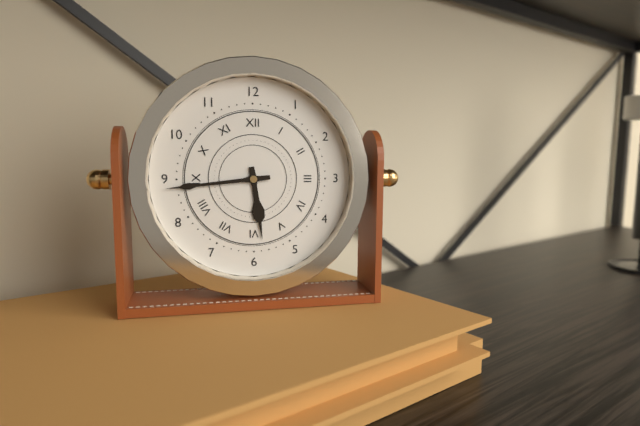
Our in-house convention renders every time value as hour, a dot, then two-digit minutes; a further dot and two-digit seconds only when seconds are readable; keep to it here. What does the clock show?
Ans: 5.44
